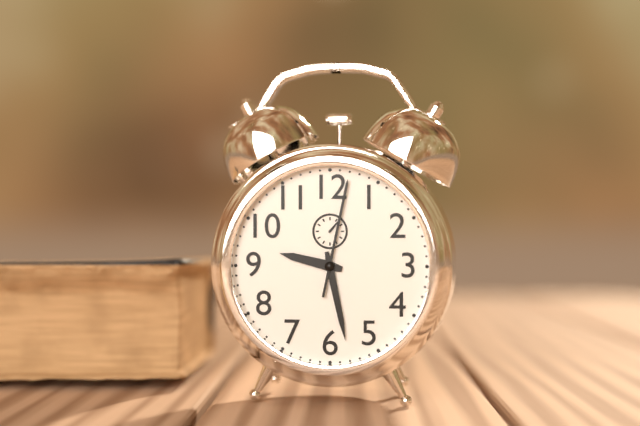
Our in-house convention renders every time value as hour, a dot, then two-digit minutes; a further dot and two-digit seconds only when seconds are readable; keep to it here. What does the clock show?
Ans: 9.28.02
